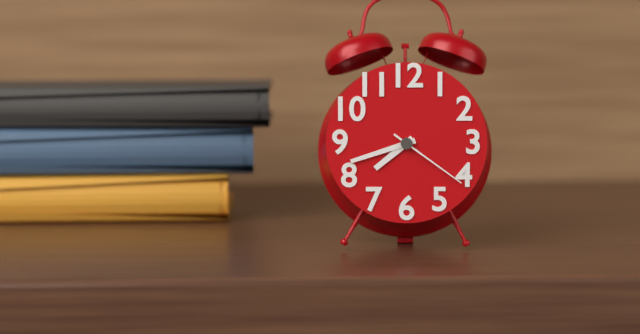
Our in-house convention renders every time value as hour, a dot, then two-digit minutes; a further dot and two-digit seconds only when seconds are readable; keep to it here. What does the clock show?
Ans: 7.42.21
